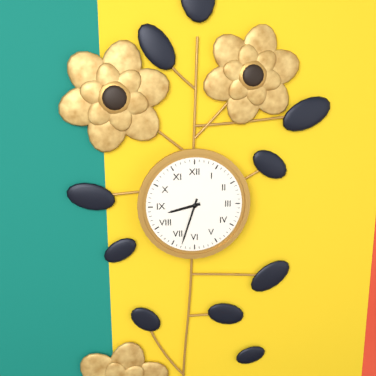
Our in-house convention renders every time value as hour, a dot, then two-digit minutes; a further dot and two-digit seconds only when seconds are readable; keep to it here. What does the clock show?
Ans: 8.33
